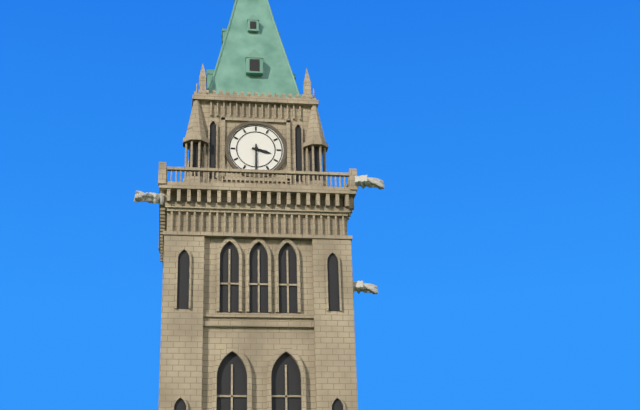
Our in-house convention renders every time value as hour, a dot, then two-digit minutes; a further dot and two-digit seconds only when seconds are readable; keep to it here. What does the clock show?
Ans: 3.30
